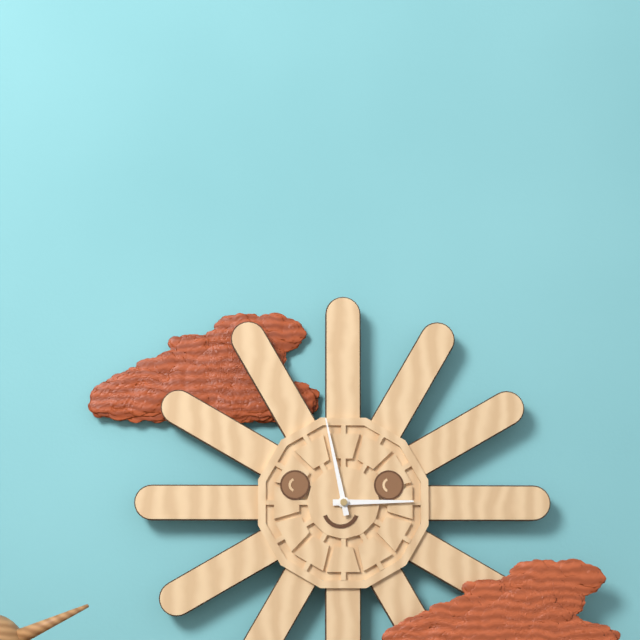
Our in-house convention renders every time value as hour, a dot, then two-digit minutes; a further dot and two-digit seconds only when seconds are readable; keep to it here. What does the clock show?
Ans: 2.58
